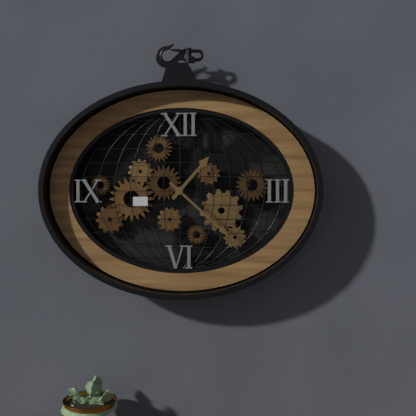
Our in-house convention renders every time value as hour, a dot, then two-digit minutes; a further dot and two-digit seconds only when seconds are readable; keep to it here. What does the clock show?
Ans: 1.22
